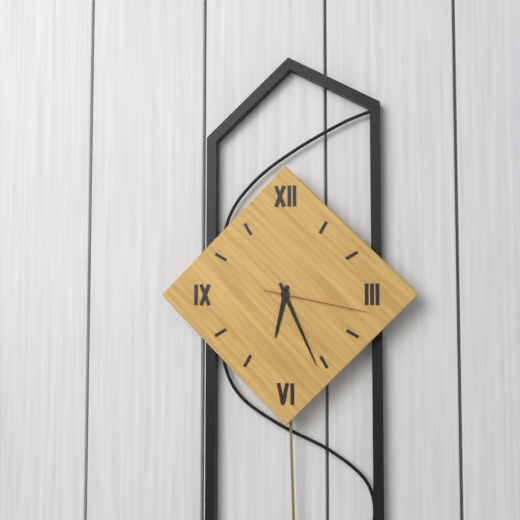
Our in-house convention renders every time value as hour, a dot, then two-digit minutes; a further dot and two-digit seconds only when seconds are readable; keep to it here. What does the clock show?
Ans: 6.26.17
